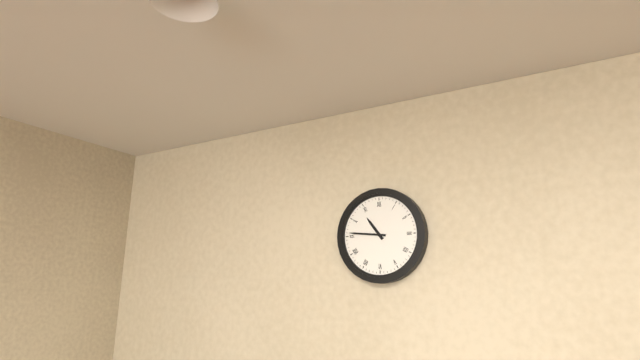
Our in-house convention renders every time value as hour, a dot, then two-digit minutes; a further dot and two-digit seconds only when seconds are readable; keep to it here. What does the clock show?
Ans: 10.46
